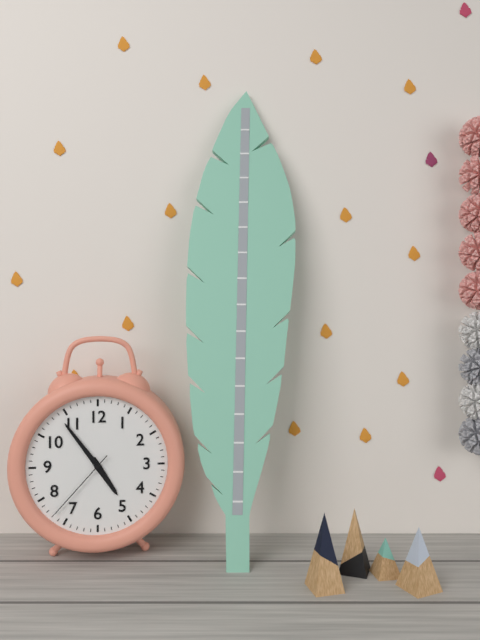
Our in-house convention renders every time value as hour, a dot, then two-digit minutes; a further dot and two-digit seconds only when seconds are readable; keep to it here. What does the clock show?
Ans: 4.54.37
